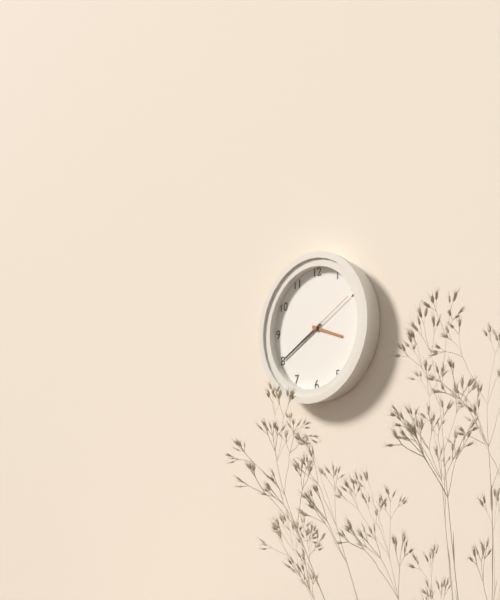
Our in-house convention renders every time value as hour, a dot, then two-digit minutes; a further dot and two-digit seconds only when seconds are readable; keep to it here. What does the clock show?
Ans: 3.40.10
